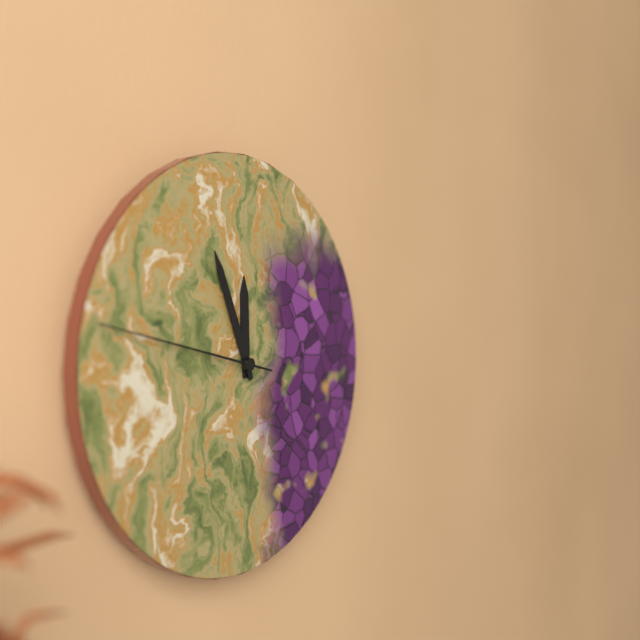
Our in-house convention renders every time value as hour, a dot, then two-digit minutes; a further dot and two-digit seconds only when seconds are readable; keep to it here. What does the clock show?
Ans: 11.56.47
